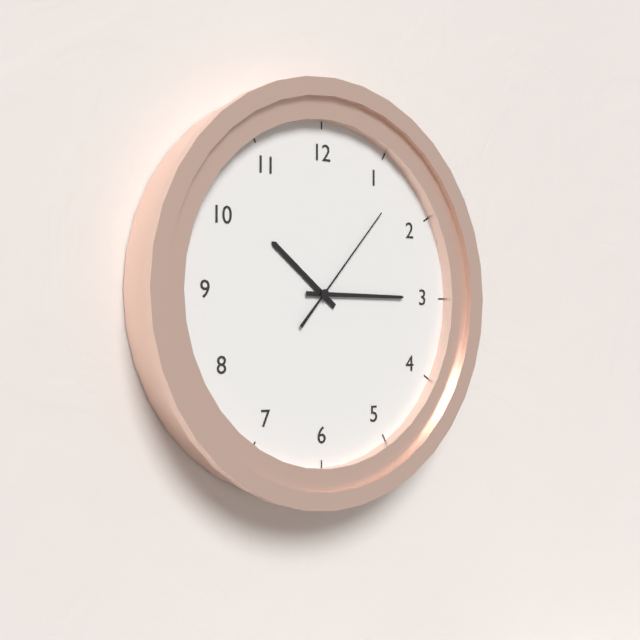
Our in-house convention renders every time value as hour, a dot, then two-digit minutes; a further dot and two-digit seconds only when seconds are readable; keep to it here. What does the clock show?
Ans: 10.15.07
